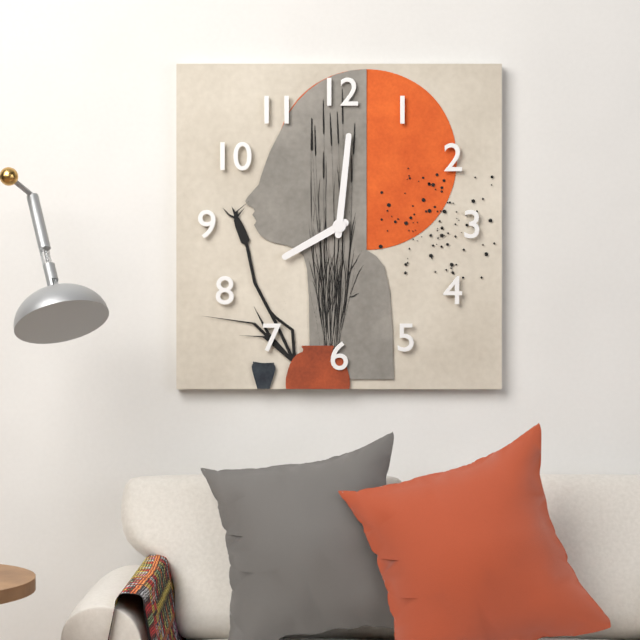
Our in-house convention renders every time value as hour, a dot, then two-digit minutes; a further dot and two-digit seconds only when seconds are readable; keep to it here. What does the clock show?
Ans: 8.01
